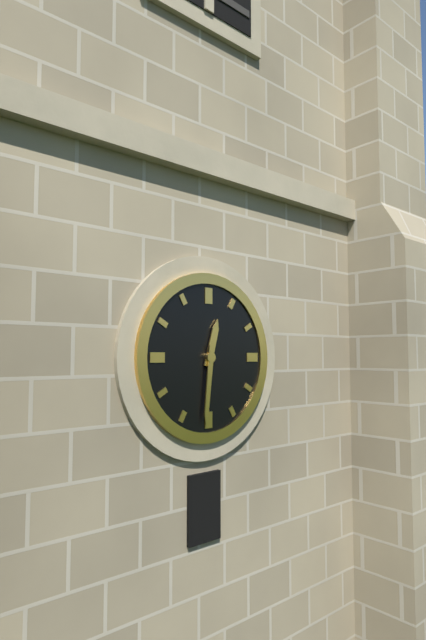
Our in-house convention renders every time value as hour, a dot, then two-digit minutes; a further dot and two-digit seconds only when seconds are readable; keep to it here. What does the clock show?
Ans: 12.31
